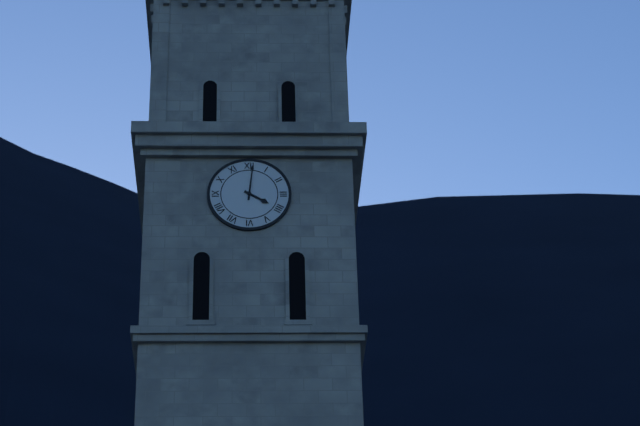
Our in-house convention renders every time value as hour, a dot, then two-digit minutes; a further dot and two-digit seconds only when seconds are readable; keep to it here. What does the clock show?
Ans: 4.01
